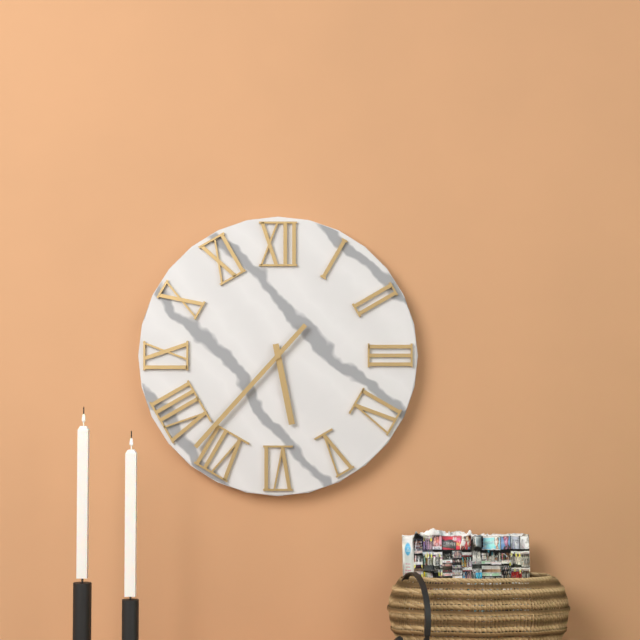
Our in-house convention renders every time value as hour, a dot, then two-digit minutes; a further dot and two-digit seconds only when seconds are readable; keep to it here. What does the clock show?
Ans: 5.37
